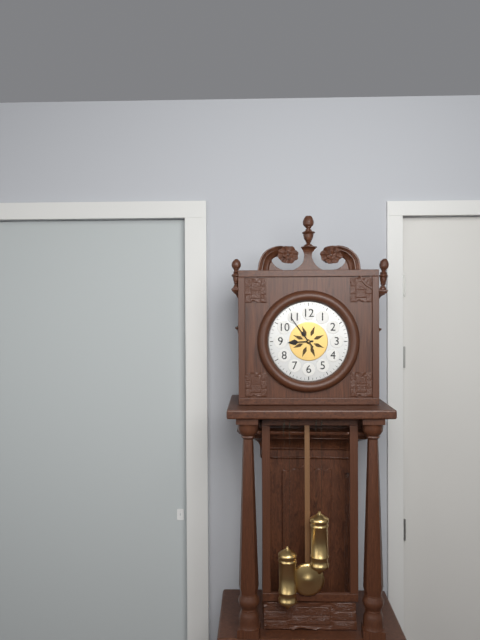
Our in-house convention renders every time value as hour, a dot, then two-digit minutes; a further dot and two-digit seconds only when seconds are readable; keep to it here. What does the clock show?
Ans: 8.54
